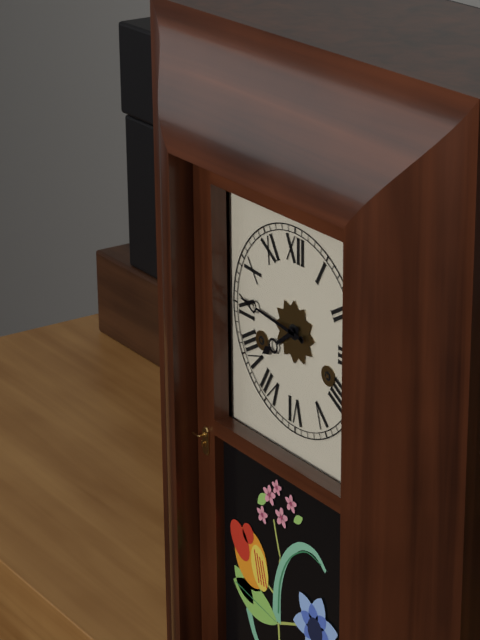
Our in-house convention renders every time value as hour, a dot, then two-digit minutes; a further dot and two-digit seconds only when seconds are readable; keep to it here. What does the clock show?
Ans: 7.46
